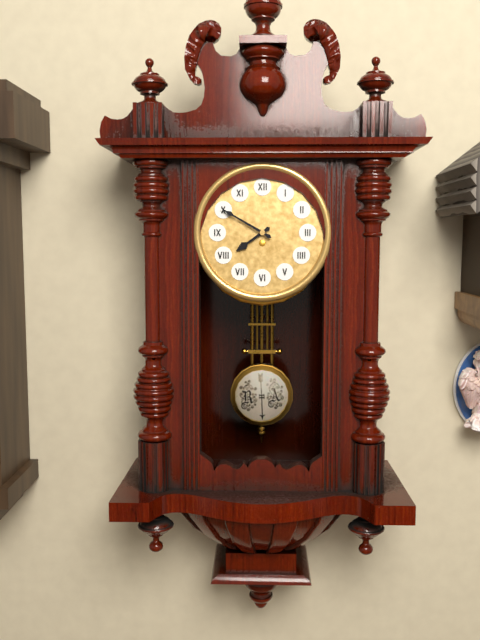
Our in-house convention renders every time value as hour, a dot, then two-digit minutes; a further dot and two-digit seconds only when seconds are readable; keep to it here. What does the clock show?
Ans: 7.50
